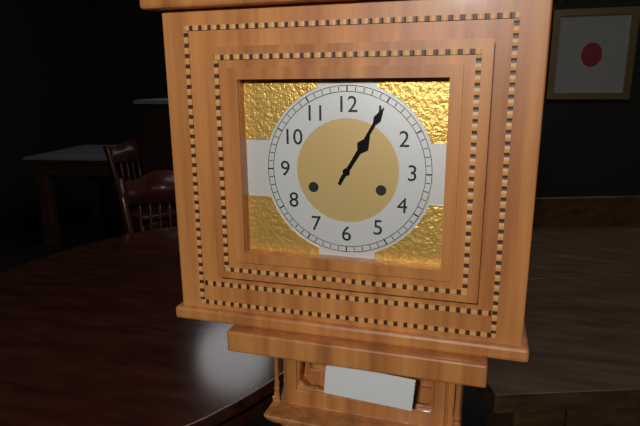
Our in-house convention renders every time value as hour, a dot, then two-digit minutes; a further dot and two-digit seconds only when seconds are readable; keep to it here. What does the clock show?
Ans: 1.05
